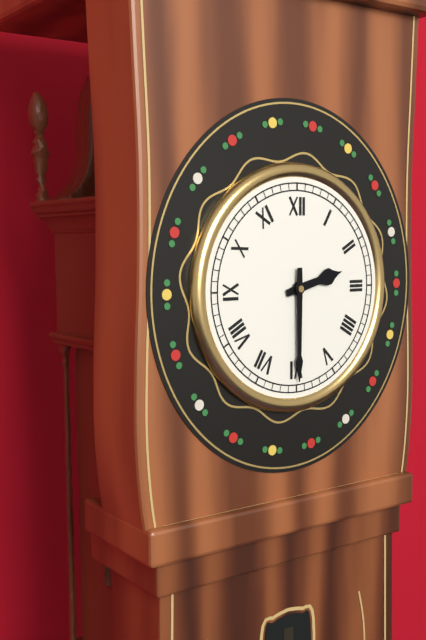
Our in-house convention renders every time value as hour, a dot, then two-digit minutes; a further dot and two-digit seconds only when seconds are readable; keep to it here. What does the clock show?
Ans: 2.30
